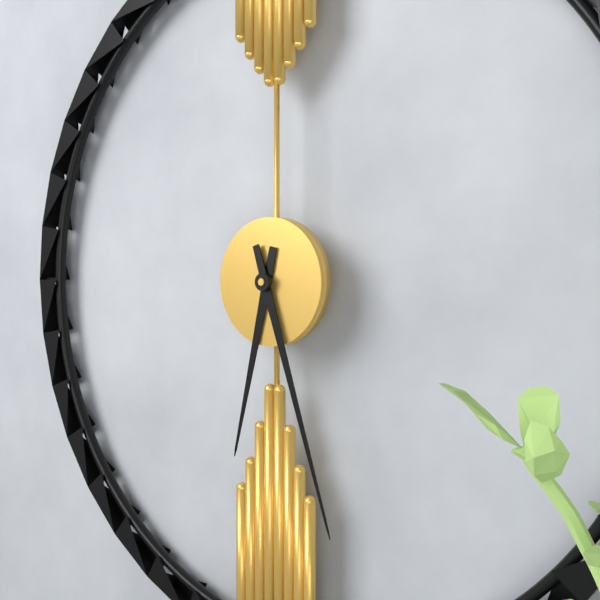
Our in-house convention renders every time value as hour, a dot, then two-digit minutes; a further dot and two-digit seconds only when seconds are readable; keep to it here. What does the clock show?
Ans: 6.27
